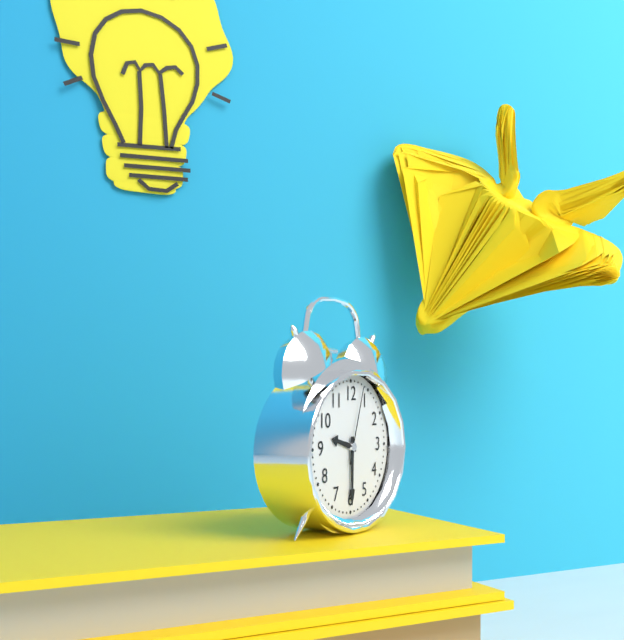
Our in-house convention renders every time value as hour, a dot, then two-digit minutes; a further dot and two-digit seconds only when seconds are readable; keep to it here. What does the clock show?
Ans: 9.30.03
